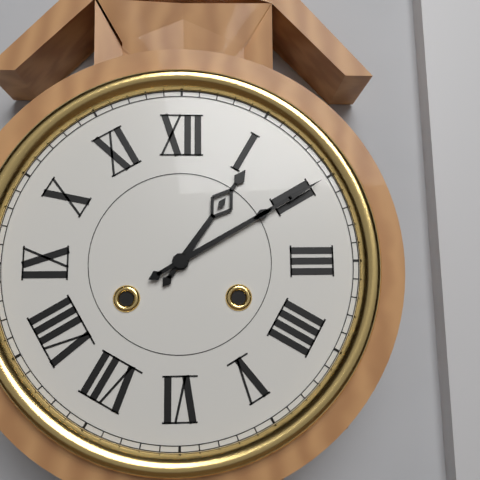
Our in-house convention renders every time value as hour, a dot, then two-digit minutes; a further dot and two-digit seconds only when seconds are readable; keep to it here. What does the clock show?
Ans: 1.10
